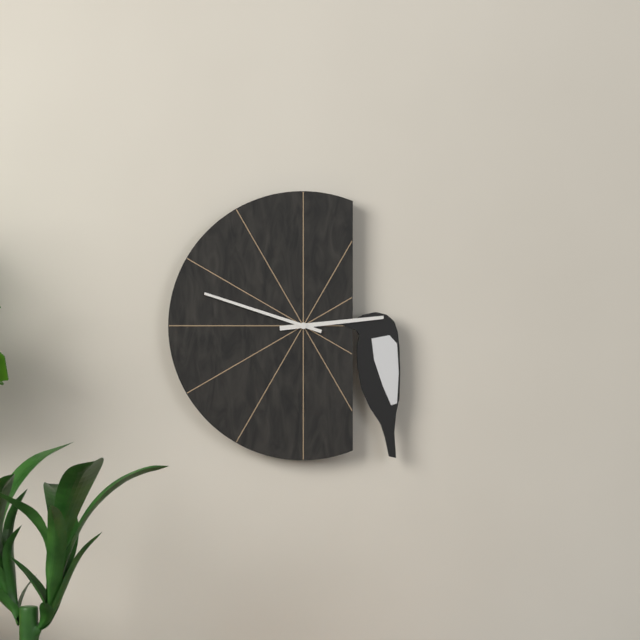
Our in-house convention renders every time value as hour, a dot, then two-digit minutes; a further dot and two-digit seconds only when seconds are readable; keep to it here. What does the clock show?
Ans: 2.48
